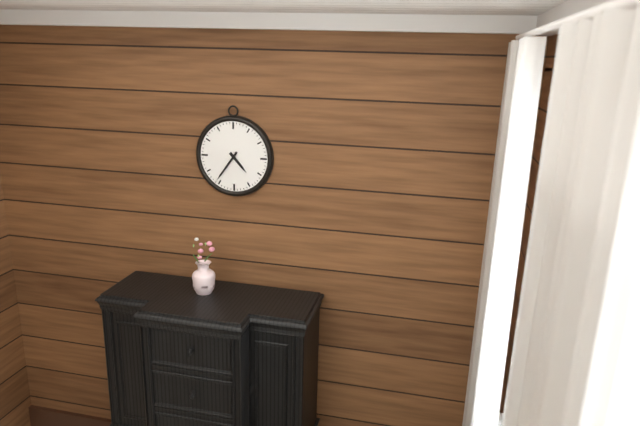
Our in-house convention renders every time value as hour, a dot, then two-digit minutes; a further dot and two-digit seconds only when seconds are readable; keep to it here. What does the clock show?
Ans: 4.36
